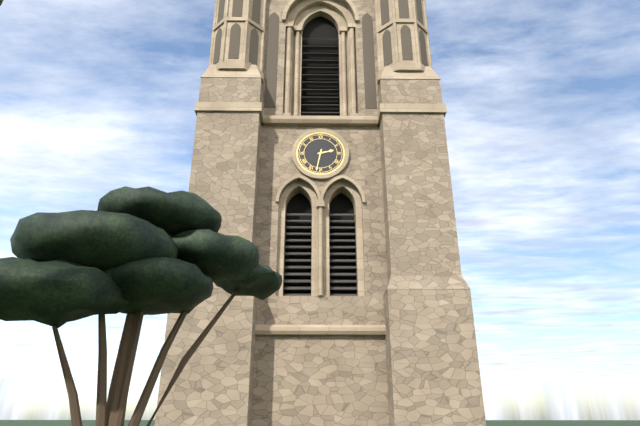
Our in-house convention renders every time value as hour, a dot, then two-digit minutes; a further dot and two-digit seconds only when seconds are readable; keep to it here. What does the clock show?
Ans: 2.32
